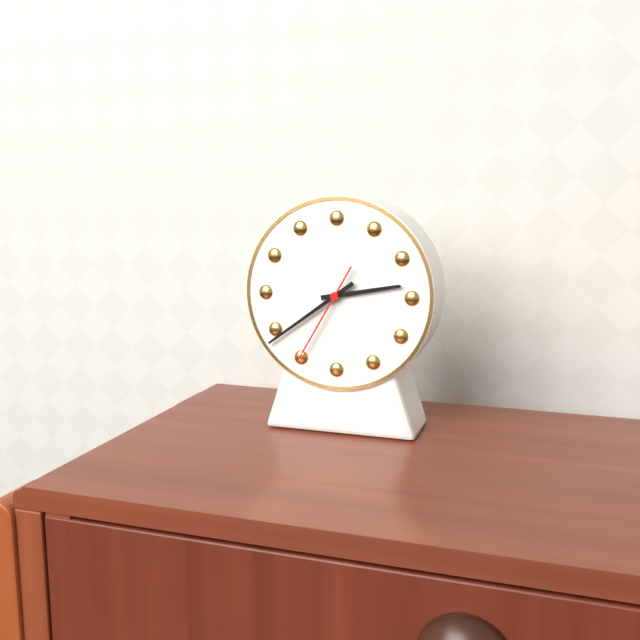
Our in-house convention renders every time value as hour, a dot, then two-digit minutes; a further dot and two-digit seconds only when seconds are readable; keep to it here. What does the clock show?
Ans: 2.39.35
